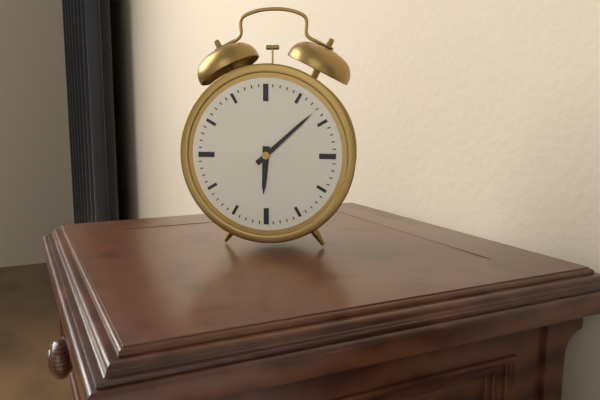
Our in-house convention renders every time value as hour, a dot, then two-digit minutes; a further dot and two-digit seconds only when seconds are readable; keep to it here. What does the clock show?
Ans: 6.08
